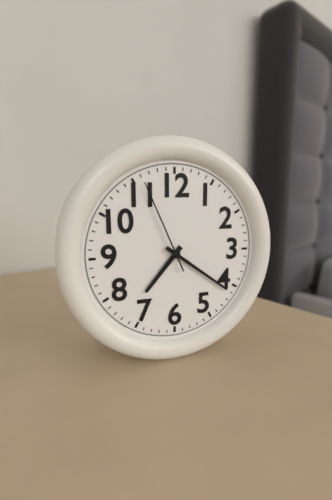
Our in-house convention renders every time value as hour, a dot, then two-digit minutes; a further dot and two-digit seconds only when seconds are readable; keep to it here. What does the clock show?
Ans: 7.21.56
